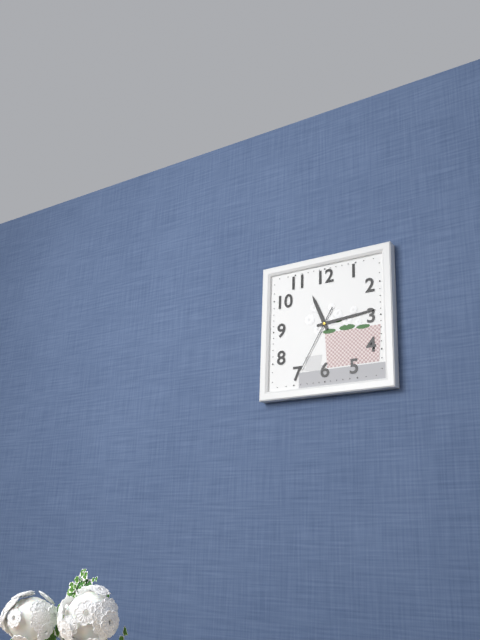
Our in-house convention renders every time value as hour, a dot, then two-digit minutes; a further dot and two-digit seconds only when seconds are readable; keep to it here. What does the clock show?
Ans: 11.14.35
